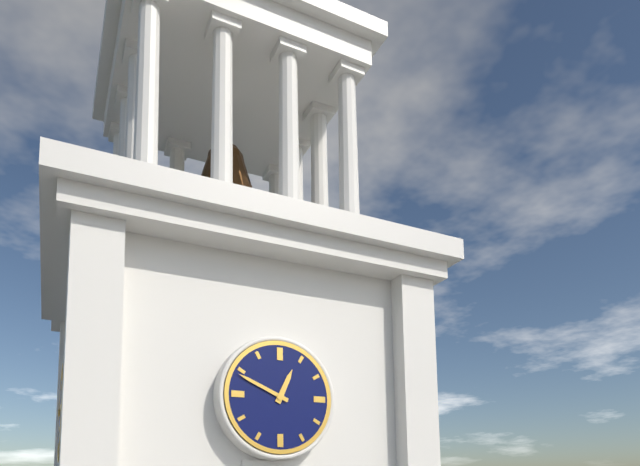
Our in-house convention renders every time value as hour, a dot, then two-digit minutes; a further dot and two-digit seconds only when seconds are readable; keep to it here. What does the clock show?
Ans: 12.49
